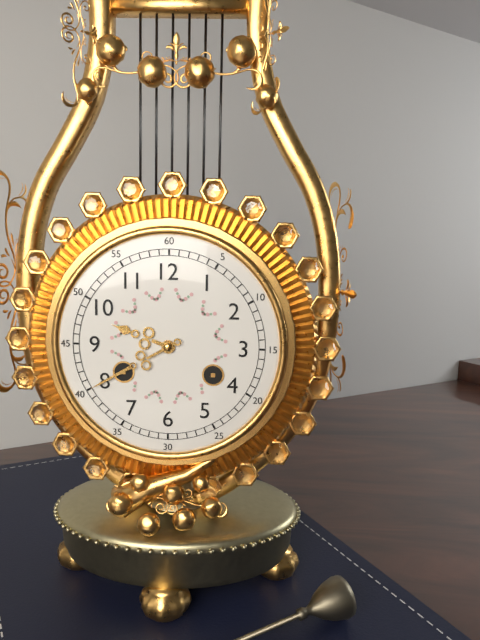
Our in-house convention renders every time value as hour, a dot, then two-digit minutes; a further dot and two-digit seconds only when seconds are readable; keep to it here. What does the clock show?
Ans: 9.40
